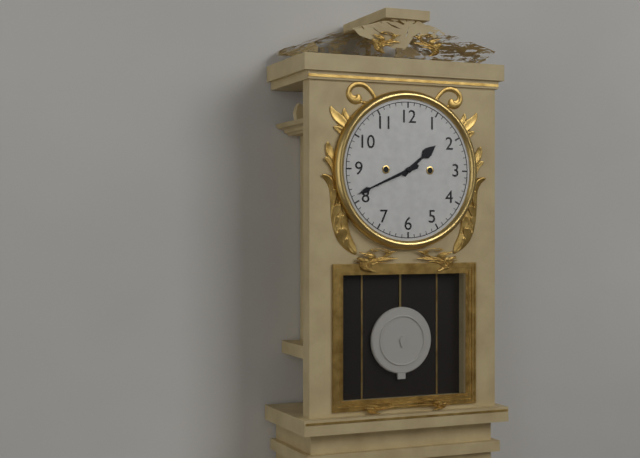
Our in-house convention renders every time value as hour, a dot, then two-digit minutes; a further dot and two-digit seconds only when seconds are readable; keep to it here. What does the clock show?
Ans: 1.41
